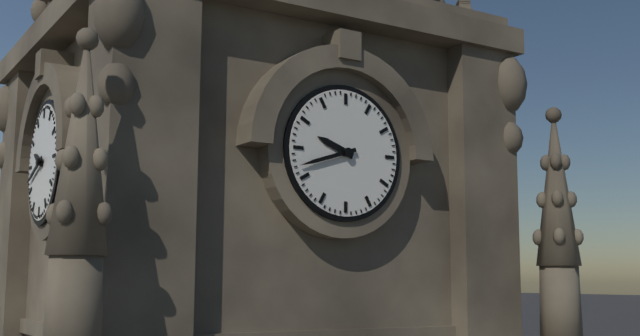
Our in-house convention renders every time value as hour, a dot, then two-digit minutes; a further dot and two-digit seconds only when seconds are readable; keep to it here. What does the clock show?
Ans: 9.42
